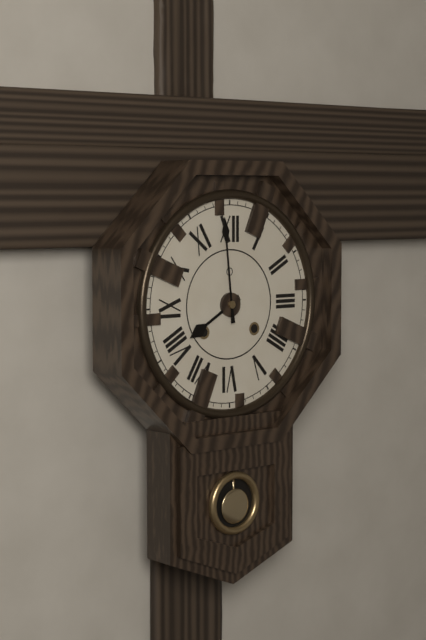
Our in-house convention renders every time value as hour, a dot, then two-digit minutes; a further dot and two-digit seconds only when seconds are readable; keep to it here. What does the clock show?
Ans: 7.59
